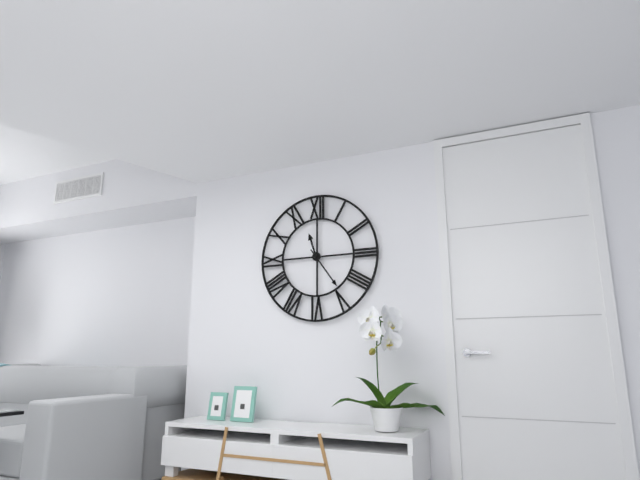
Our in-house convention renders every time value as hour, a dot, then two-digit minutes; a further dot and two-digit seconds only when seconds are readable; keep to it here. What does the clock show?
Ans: 11.24
